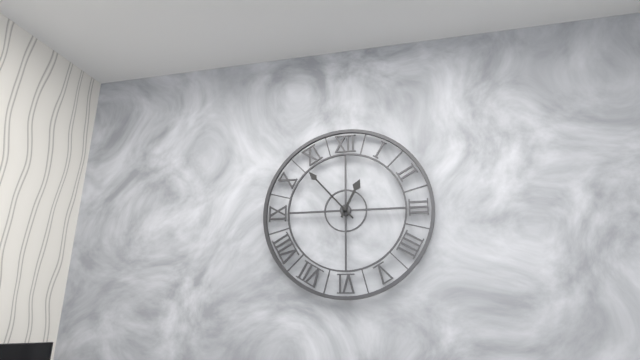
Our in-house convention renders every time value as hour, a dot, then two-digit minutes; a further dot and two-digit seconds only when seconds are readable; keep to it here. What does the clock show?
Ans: 12.53
